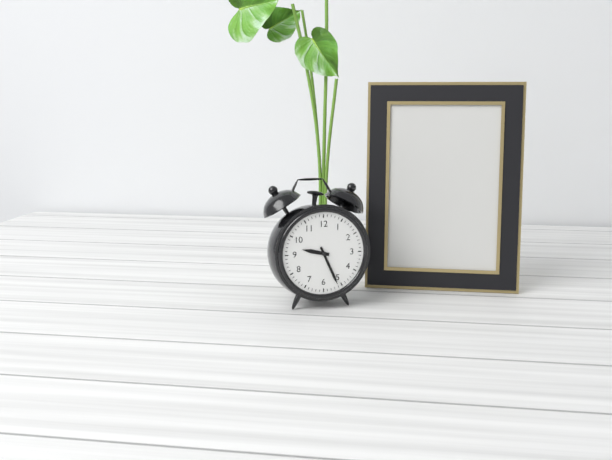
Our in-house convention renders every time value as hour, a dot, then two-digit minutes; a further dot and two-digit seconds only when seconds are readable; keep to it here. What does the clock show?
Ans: 9.26
